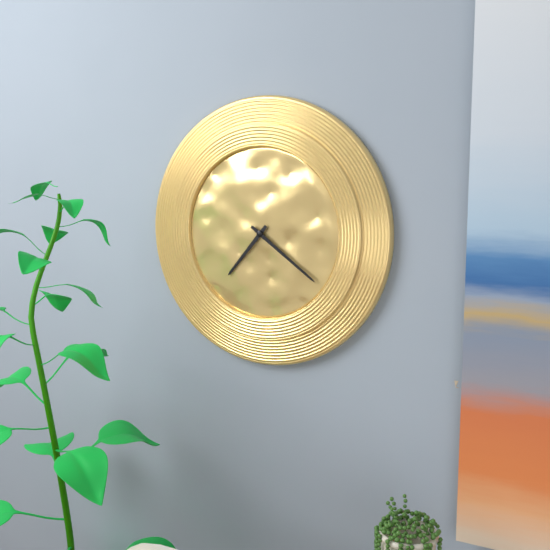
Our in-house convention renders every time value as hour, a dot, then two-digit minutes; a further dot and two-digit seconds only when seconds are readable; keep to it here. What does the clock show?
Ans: 7.21
